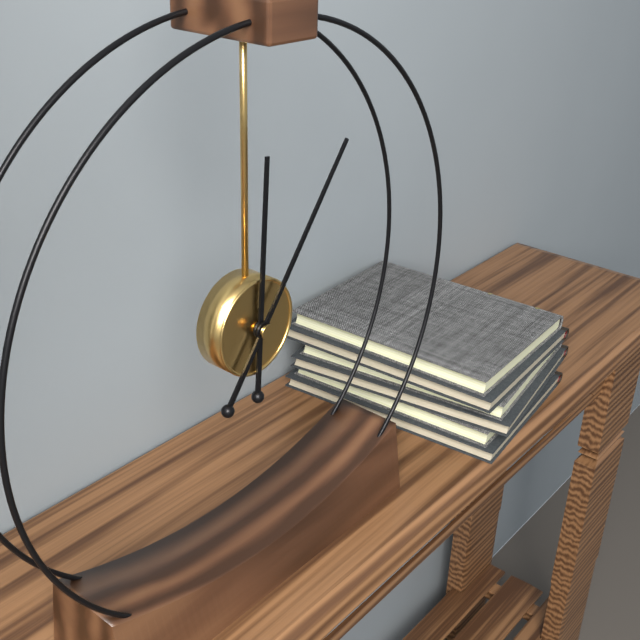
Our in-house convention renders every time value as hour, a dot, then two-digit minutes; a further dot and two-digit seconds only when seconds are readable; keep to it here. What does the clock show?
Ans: 12.06
